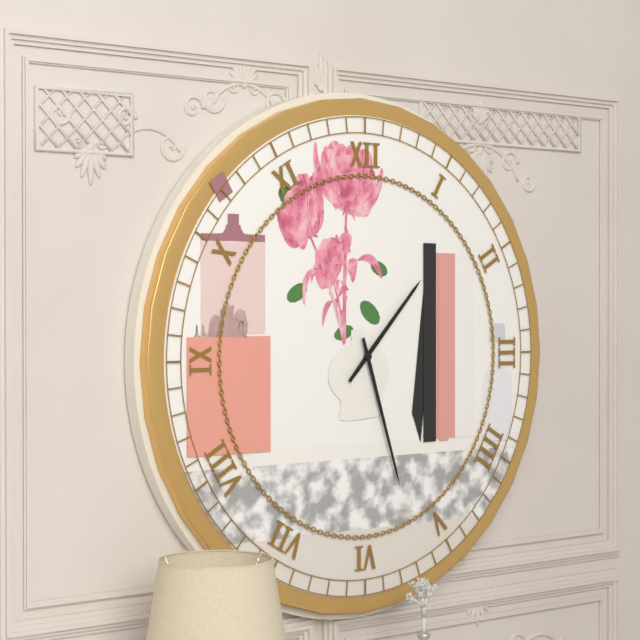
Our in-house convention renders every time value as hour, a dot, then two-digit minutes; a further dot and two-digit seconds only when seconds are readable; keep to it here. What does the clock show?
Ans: 1.27
